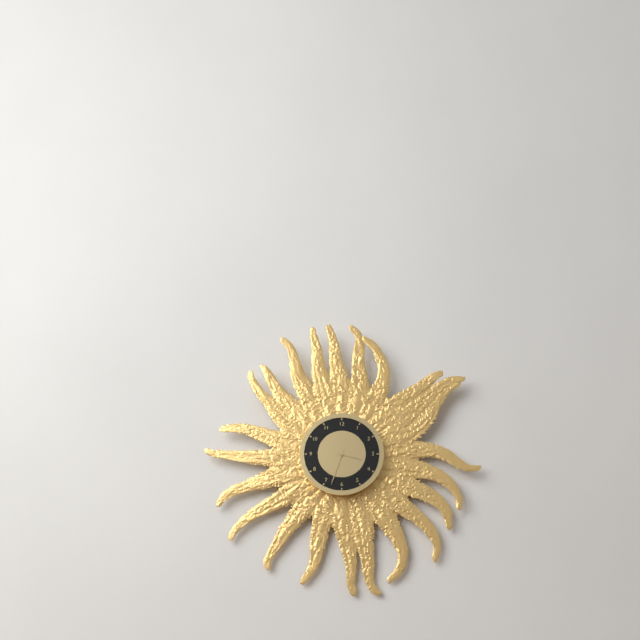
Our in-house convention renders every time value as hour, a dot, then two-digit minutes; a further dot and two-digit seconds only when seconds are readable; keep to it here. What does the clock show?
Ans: 3.33
